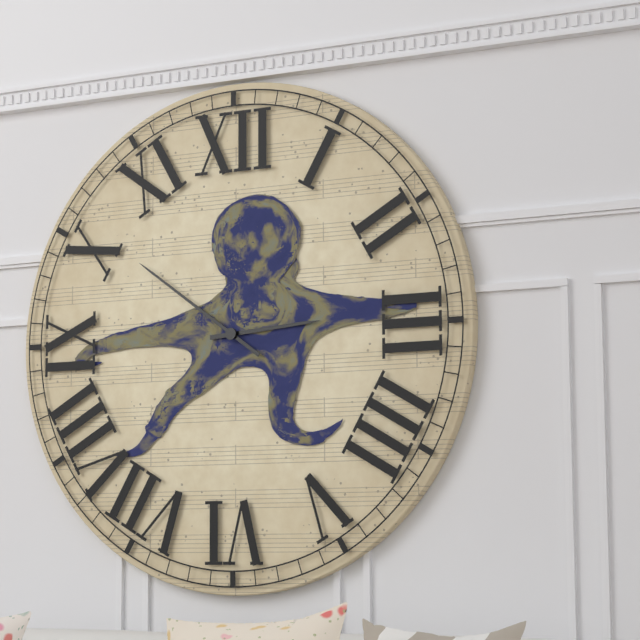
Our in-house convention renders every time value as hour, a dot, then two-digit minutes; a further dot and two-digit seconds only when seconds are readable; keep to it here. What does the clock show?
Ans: 2.51
